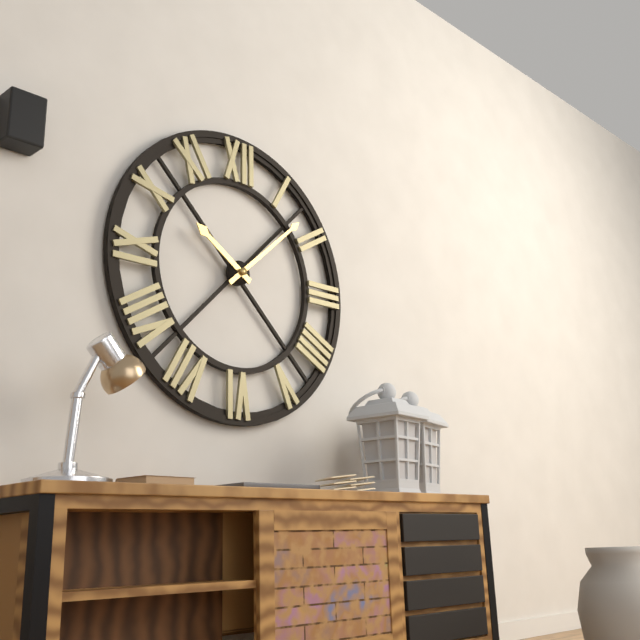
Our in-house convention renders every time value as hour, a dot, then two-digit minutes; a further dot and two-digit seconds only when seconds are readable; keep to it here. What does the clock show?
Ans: 10.08
